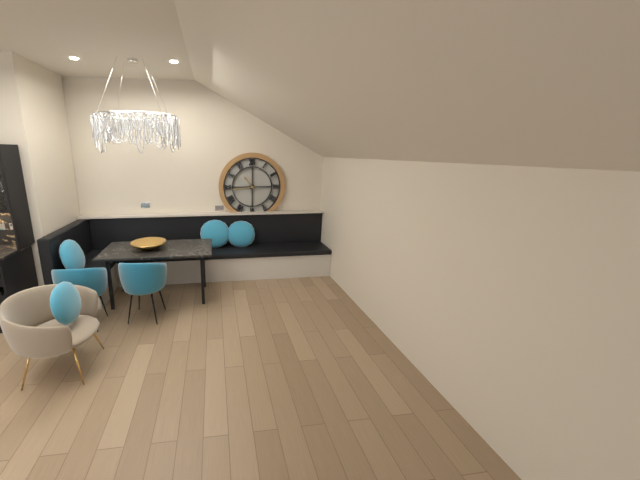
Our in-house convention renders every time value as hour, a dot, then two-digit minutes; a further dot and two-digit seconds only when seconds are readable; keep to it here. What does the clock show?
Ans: 10.44
